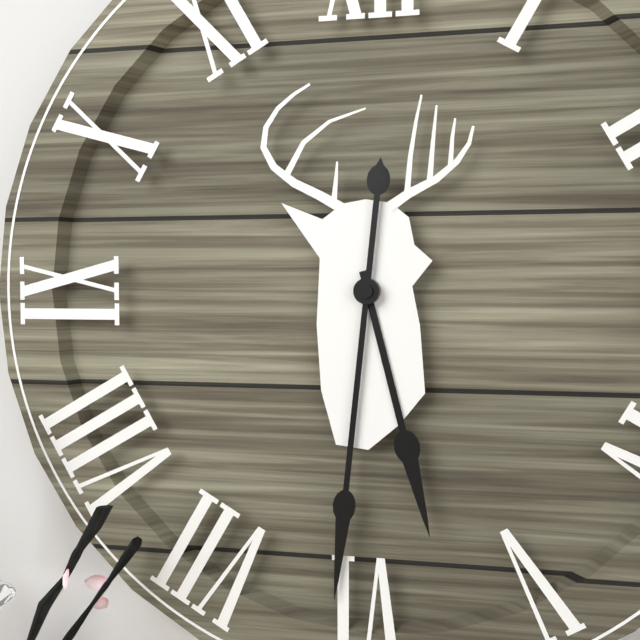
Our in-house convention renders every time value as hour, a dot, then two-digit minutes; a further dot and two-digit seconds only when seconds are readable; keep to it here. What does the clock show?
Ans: 5.31
